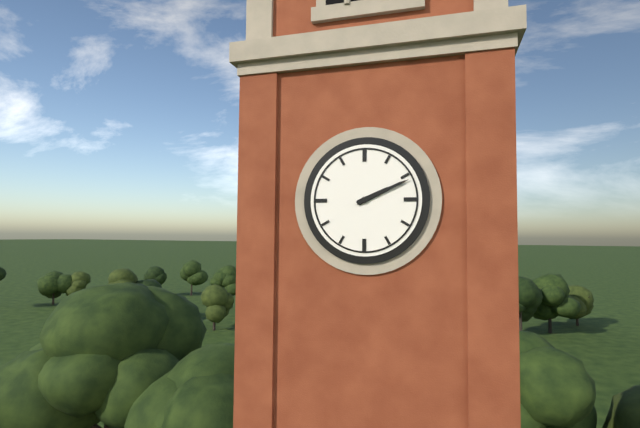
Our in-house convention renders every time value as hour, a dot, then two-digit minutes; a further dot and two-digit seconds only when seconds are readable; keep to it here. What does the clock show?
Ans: 2.11
